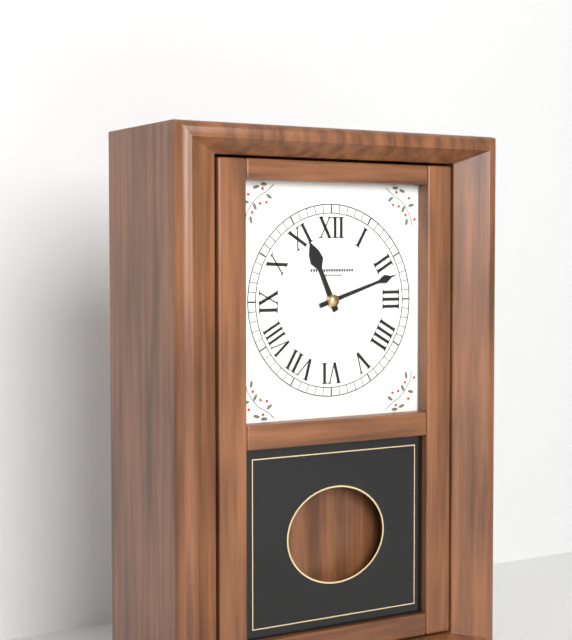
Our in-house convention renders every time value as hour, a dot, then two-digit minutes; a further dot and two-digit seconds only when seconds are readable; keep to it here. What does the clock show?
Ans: 11.12
